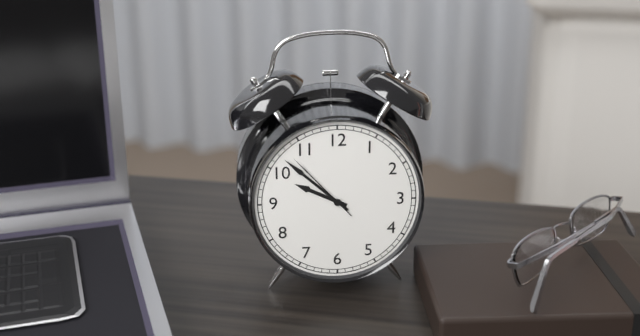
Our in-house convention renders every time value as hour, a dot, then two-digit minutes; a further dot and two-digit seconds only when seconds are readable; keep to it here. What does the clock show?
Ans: 9.52.53
